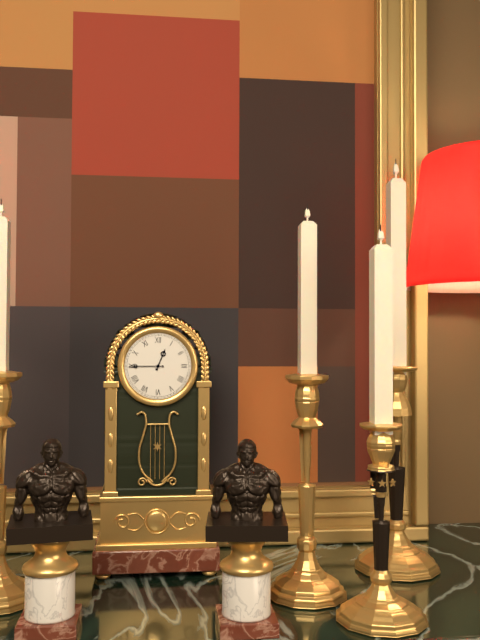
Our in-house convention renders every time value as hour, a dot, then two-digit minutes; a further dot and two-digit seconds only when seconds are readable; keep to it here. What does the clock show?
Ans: 12.45
